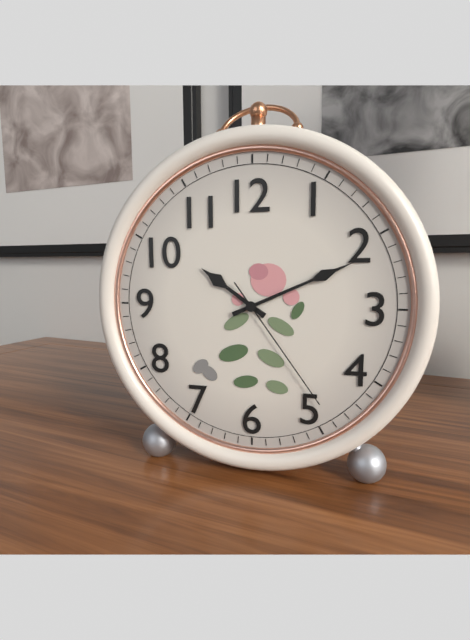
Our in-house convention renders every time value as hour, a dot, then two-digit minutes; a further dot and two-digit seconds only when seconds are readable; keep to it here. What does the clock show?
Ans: 10.11.24
